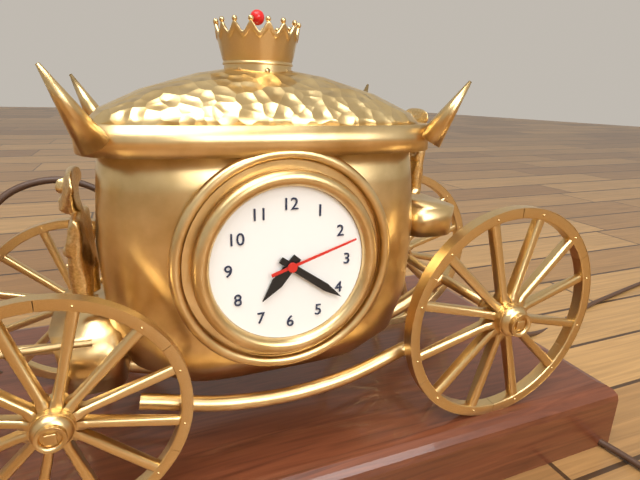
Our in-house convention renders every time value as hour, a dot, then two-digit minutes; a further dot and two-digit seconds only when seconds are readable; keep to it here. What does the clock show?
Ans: 7.21.12
